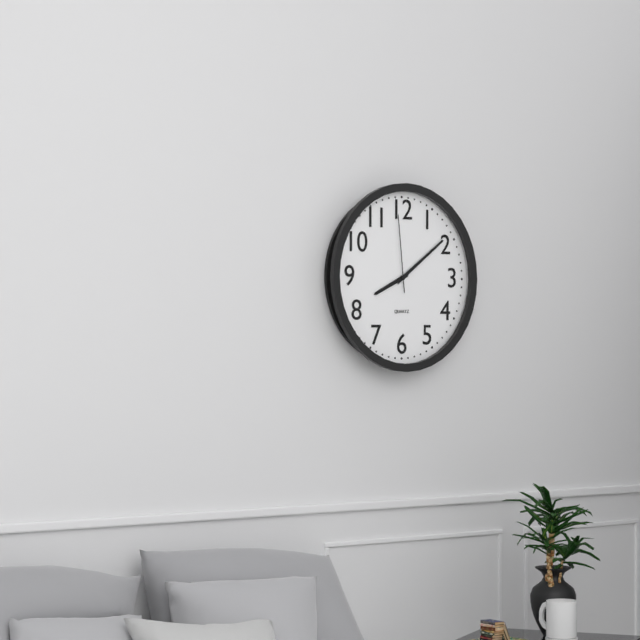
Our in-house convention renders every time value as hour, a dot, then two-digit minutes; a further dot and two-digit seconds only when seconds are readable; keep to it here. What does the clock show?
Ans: 8.09.59
